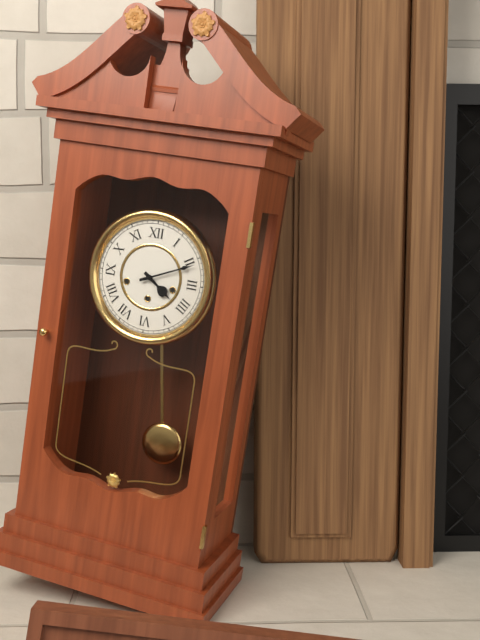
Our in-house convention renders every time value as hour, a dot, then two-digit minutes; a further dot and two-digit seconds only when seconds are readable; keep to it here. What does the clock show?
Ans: 4.11
